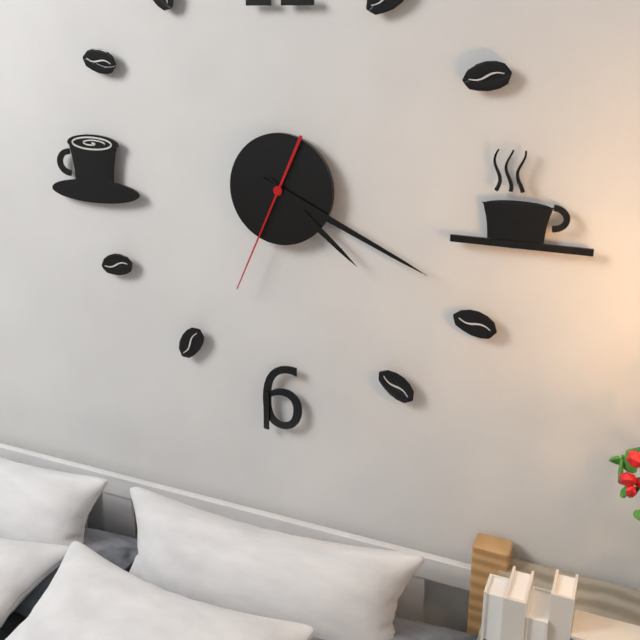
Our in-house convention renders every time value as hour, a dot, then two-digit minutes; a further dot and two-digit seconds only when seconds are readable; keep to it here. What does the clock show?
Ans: 4.19.34
